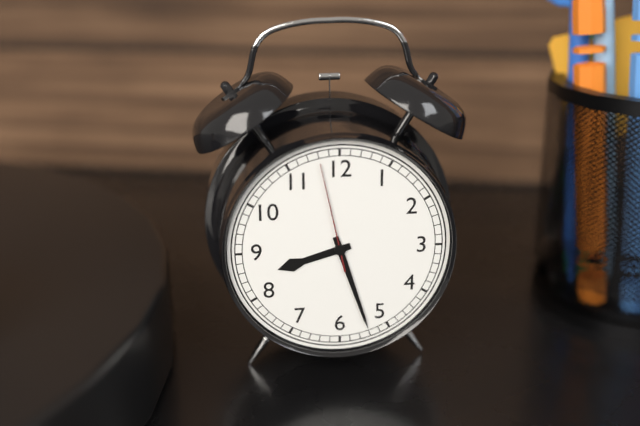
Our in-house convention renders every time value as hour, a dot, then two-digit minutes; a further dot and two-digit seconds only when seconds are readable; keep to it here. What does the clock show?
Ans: 8.27.58
